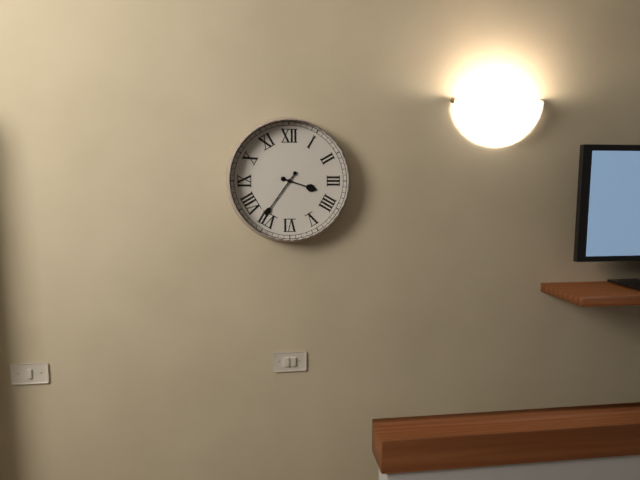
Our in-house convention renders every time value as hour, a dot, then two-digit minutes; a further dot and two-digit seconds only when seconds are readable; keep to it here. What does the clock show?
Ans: 3.36
